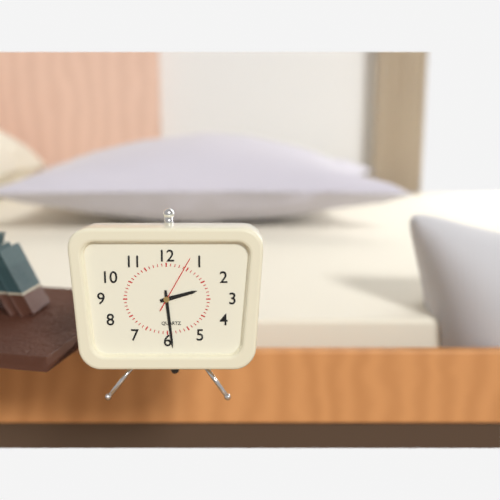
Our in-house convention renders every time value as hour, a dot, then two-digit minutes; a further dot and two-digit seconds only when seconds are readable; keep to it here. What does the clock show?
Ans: 2.29.05
